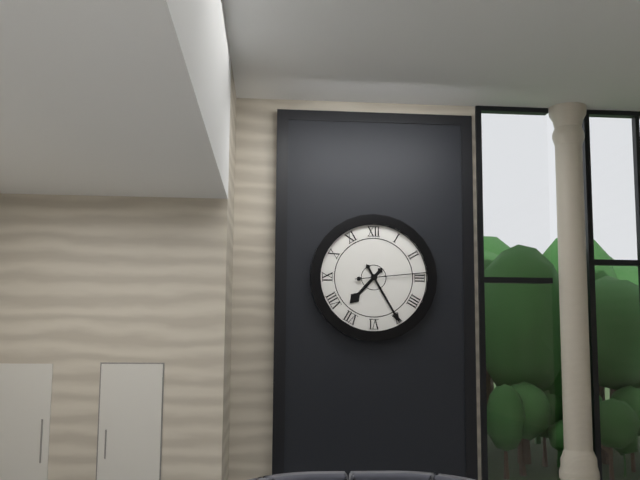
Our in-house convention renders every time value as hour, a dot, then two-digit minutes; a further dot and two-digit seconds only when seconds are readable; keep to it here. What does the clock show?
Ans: 7.25.14
